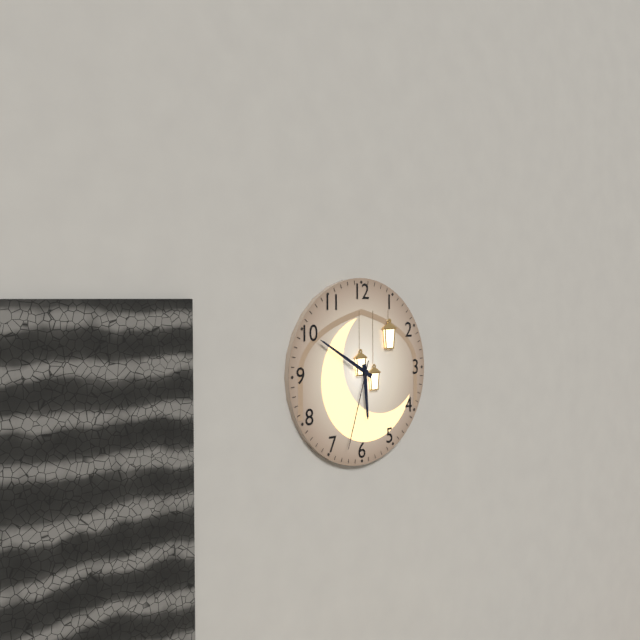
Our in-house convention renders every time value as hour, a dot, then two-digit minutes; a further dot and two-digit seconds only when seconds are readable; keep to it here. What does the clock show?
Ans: 5.50.33
